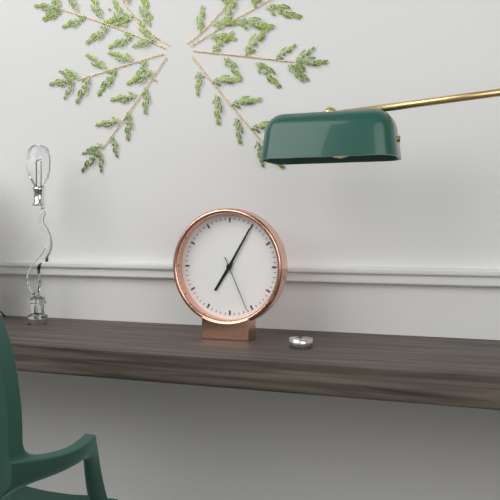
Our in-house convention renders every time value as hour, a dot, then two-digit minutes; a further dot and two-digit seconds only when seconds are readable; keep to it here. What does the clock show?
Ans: 7.05.26
